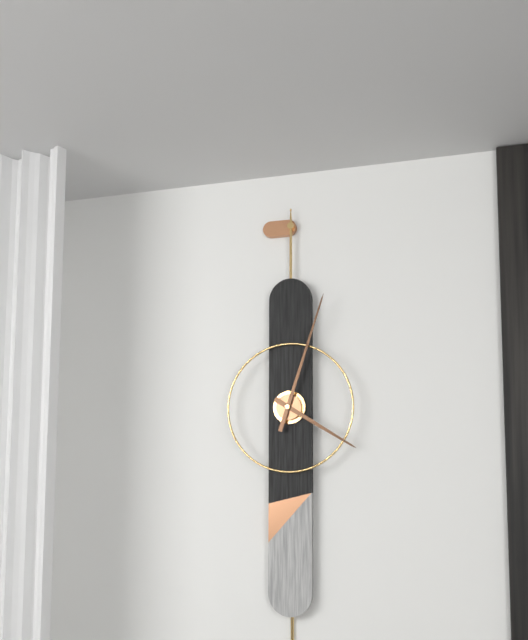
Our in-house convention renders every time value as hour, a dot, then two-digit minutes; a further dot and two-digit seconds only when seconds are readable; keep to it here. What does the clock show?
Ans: 4.03
